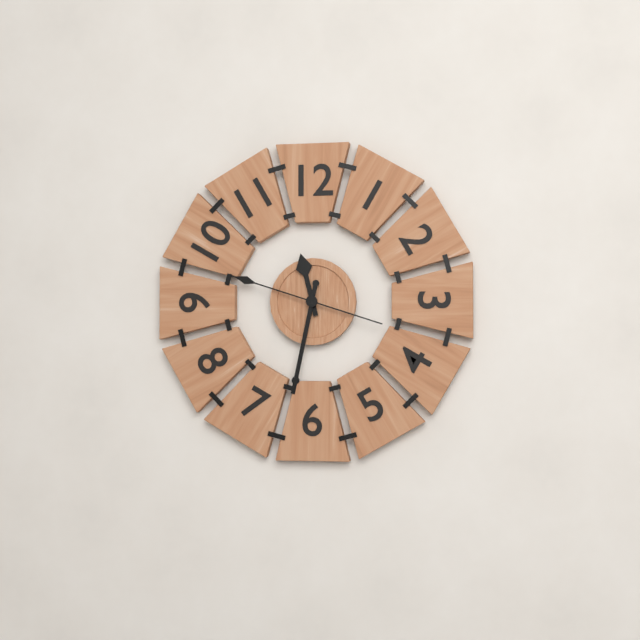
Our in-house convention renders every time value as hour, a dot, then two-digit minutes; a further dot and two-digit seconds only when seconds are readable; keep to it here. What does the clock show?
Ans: 11.32.48
